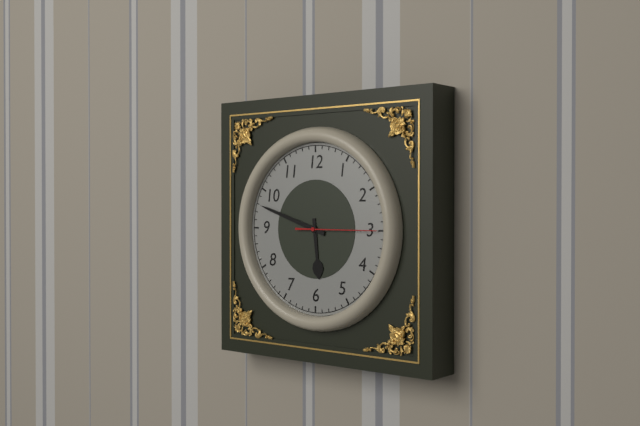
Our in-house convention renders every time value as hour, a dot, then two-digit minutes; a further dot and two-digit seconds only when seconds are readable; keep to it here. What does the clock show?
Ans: 5.48.15
